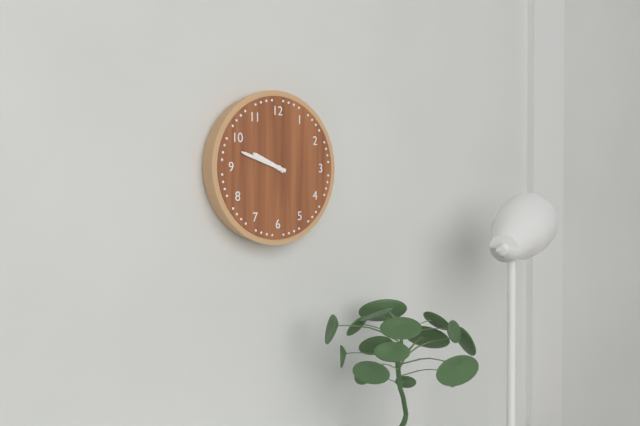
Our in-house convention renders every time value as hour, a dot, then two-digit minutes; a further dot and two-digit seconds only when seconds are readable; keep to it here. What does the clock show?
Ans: 9.48
